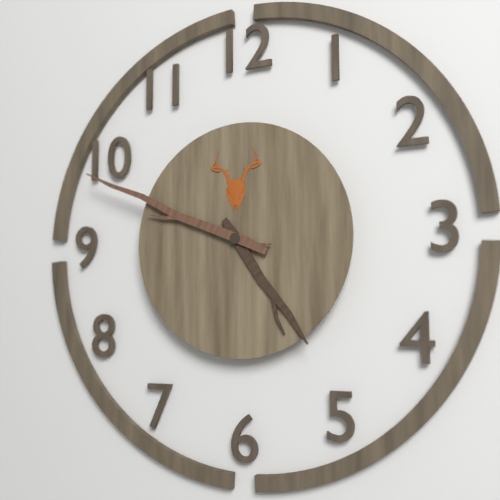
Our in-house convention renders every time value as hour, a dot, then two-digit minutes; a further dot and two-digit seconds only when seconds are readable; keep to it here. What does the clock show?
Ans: 4.49
